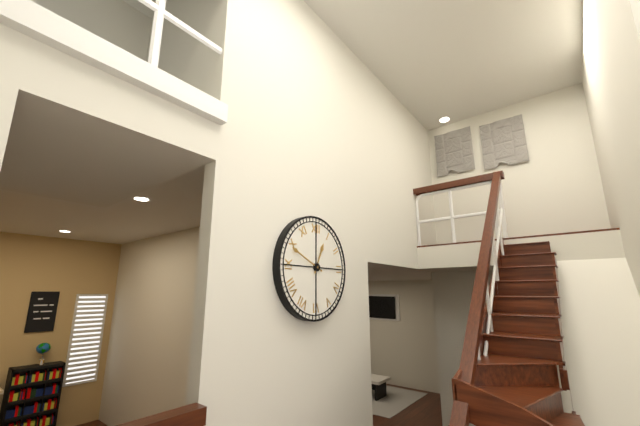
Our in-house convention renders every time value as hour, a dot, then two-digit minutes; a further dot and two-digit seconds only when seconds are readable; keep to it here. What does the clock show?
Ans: 12.49
